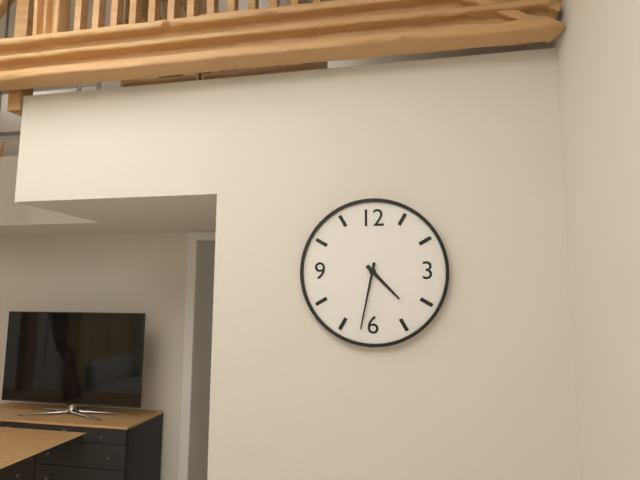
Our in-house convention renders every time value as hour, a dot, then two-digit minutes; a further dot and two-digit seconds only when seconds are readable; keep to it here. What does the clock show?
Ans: 4.32
